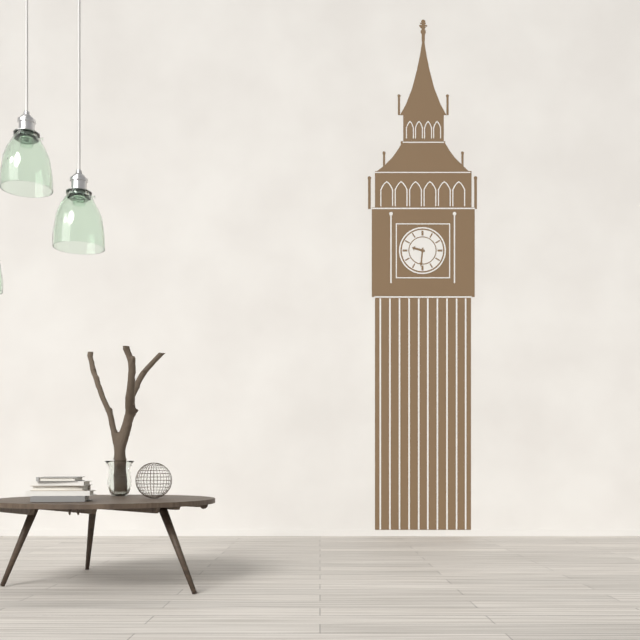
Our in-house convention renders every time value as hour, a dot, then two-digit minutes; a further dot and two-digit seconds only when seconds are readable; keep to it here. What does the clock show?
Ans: 9.31
